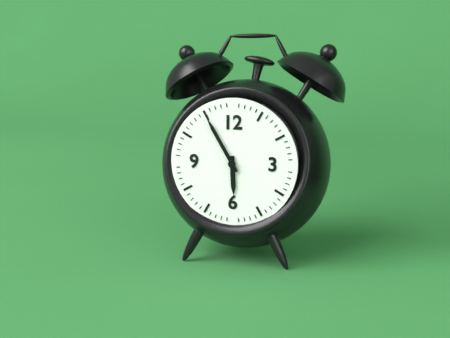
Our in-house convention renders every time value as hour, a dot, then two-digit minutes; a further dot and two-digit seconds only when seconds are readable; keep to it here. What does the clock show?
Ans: 5.55
